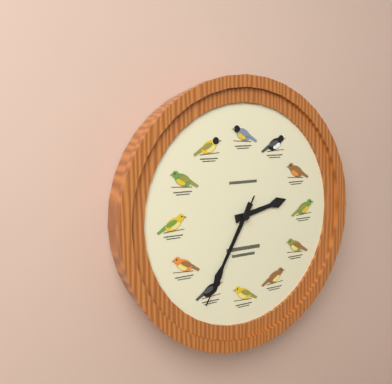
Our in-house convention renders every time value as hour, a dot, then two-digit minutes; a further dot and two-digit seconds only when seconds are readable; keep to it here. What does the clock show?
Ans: 2.35.35
